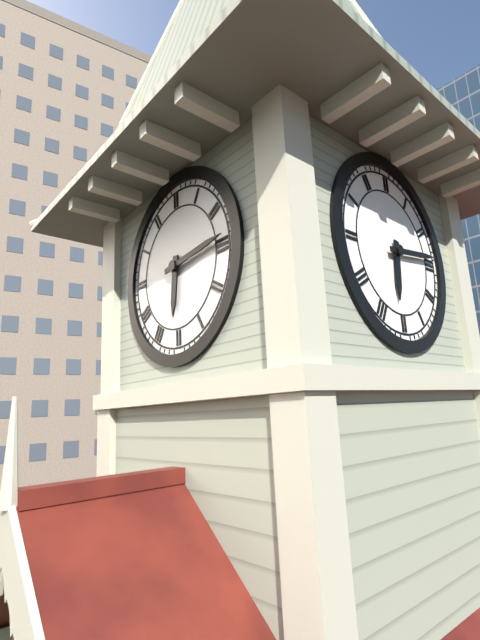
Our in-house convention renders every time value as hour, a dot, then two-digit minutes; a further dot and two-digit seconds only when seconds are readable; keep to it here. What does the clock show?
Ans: 6.14
